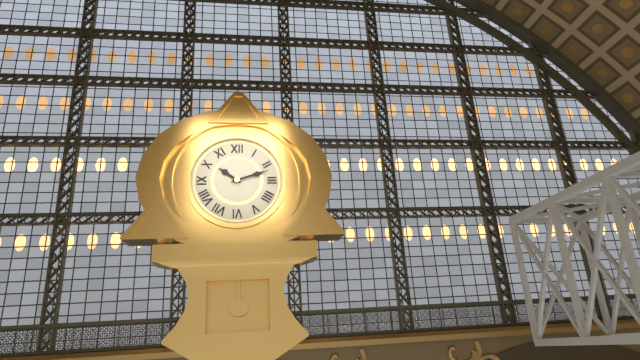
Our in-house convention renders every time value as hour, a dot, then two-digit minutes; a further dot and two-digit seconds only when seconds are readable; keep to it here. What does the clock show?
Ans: 10.12
